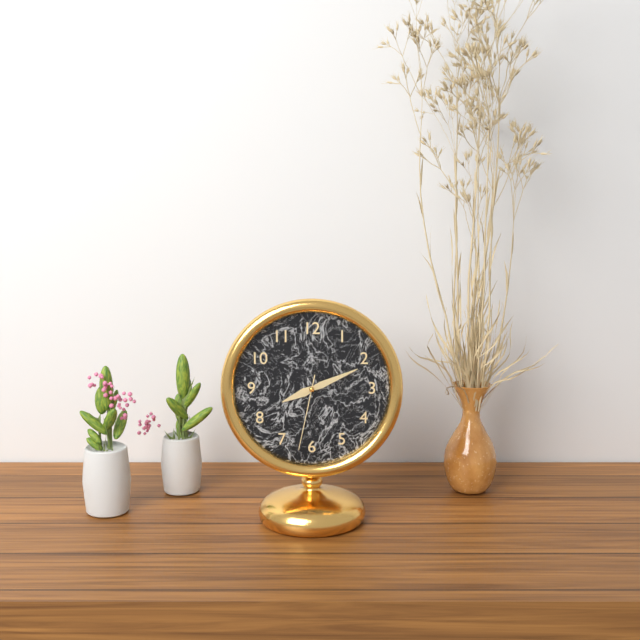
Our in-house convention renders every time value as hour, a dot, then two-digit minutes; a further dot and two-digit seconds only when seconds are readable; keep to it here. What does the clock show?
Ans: 8.11.32
